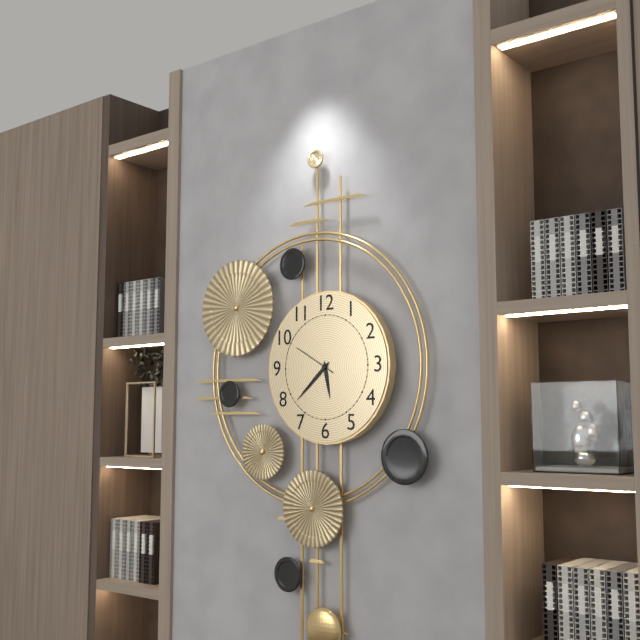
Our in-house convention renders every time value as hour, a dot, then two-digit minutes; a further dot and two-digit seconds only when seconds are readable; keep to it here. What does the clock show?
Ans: 5.38
